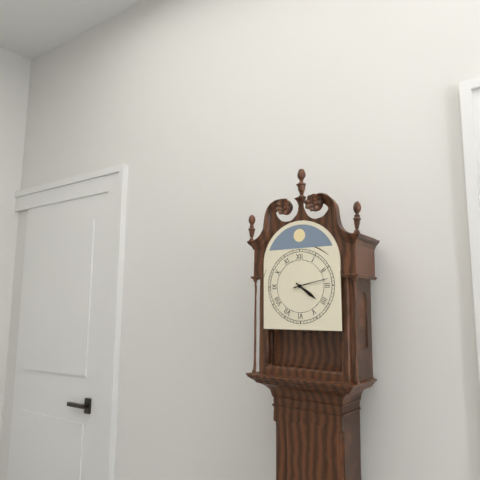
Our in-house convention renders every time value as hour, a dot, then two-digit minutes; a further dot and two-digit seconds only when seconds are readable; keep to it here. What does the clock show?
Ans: 4.13
